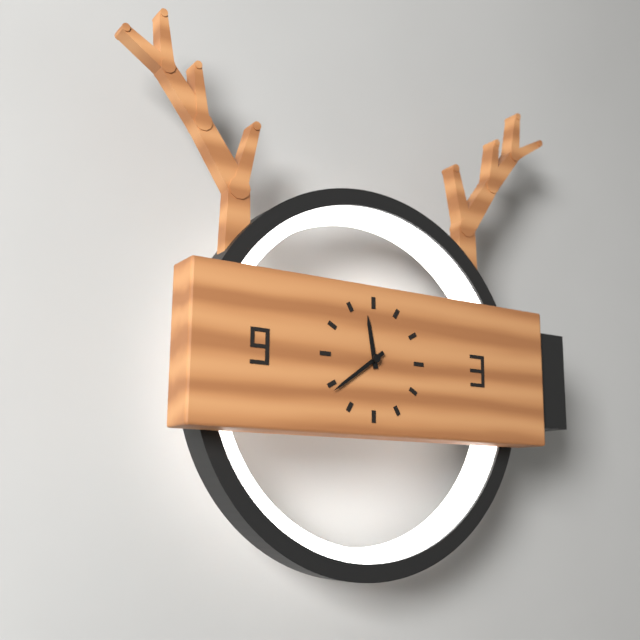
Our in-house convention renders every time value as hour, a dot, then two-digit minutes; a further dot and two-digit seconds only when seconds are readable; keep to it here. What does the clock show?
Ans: 11.39
